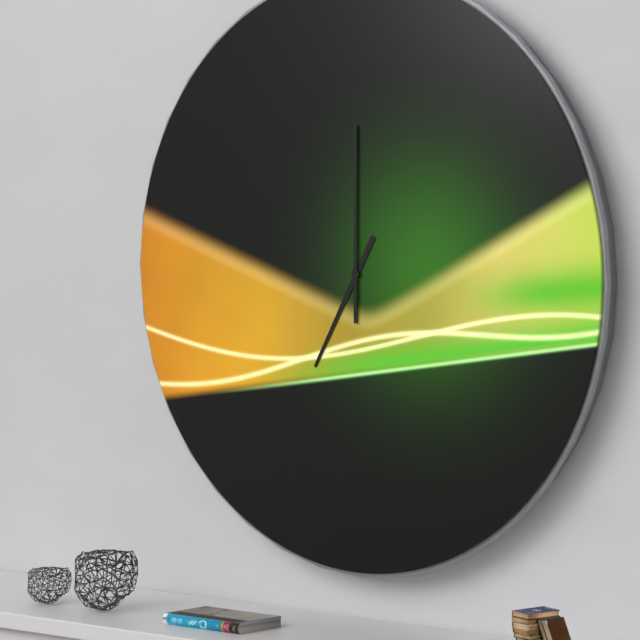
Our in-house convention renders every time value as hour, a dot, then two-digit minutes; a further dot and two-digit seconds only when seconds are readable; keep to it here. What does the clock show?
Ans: 7.00
